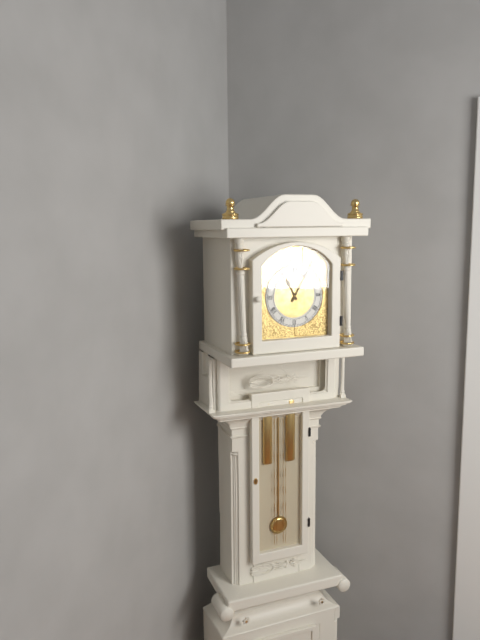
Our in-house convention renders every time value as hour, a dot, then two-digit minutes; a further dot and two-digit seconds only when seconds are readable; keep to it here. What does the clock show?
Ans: 11.05
